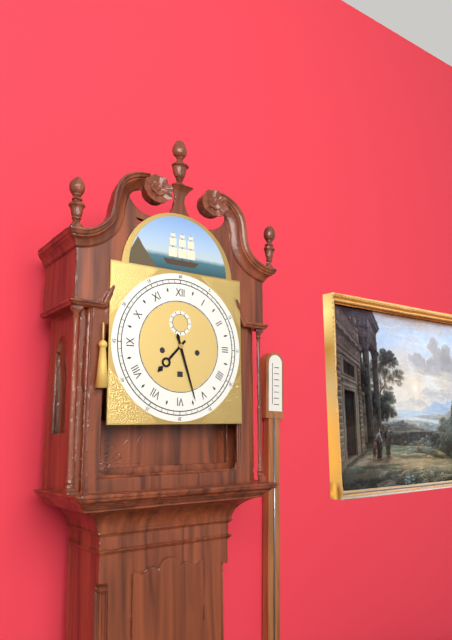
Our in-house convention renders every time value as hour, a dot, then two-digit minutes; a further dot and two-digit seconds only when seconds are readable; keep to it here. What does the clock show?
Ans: 7.27
